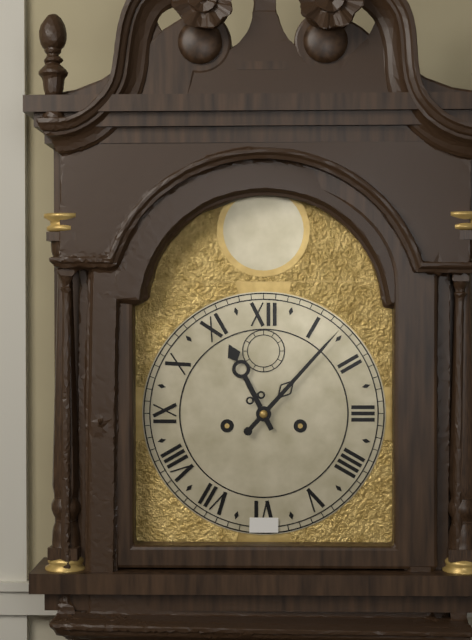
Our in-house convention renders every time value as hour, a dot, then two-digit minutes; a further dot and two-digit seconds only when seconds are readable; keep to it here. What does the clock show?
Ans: 11.07
